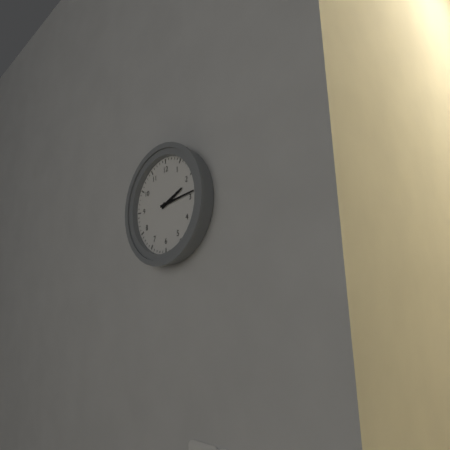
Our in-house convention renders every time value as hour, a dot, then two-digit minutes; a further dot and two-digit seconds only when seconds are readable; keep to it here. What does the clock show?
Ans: 2.14
